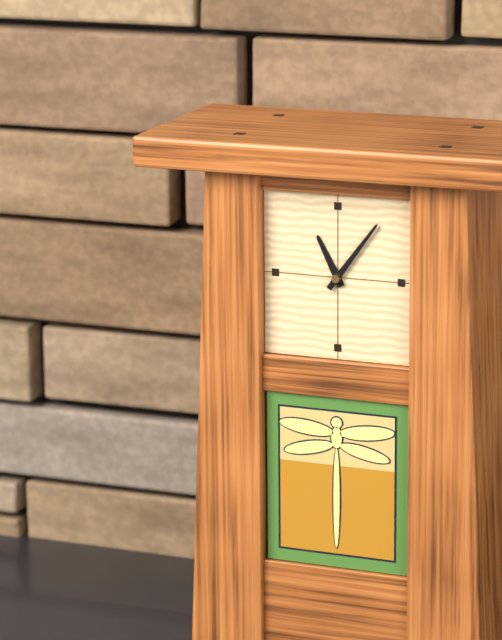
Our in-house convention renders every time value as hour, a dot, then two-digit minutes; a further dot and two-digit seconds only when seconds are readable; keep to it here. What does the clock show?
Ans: 11.06
